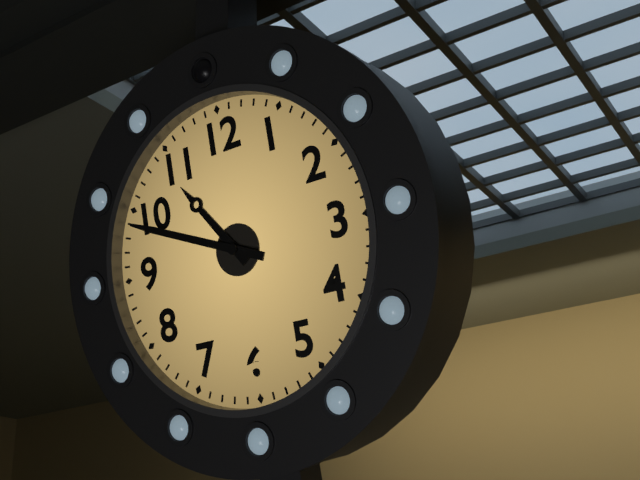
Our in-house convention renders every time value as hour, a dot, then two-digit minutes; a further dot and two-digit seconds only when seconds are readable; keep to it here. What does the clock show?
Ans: 10.49
